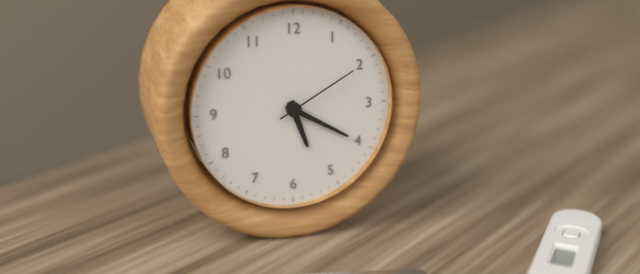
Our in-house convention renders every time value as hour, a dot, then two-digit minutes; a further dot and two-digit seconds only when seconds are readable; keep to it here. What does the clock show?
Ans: 5.20.10
